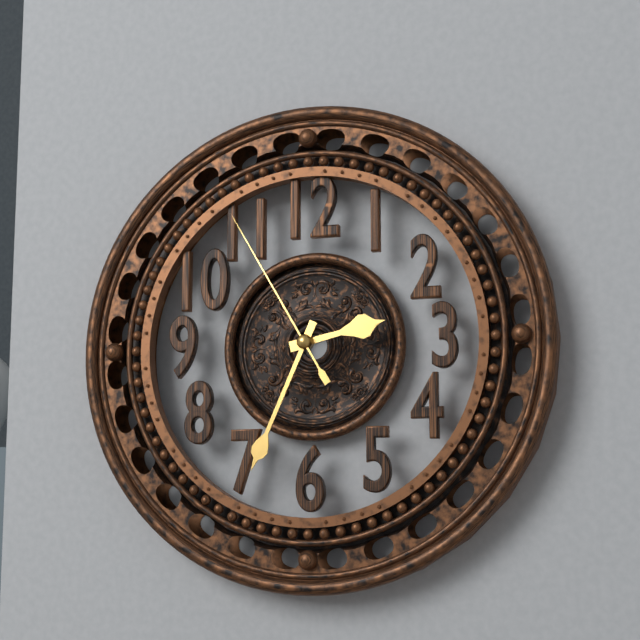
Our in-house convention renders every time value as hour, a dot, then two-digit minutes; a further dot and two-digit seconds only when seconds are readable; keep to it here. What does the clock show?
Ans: 2.34.55
